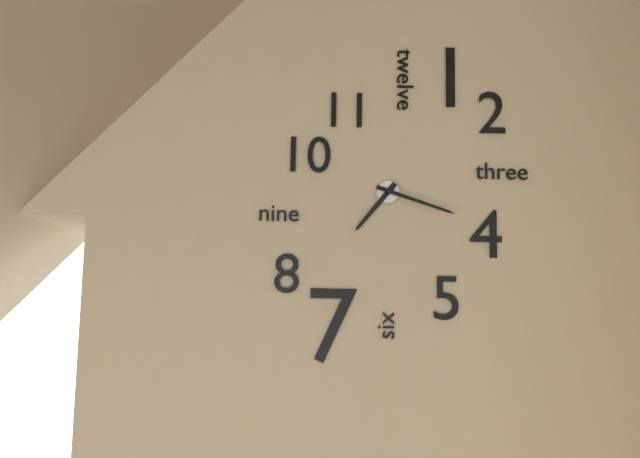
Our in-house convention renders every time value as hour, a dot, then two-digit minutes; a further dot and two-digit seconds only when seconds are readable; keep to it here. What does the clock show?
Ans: 7.18
